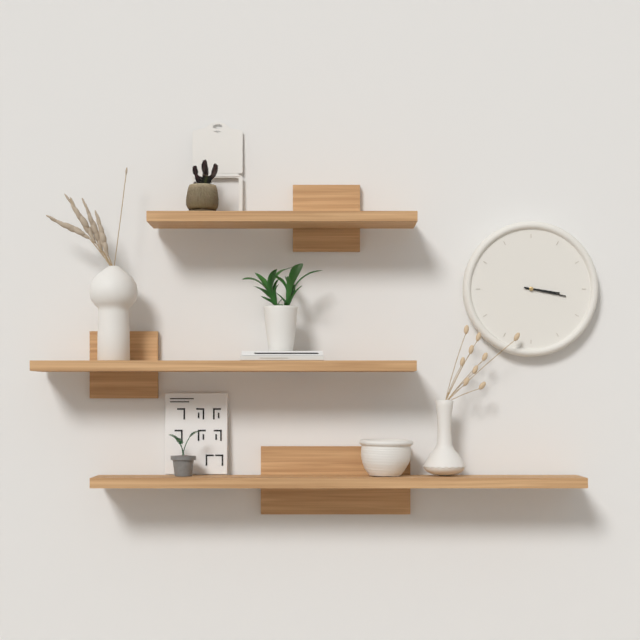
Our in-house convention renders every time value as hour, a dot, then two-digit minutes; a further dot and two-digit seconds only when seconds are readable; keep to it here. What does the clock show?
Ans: 3.17
